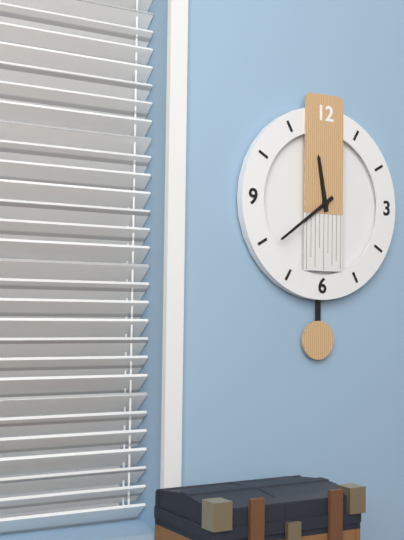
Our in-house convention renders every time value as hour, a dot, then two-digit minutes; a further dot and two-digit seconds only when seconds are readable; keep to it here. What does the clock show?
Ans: 11.39
